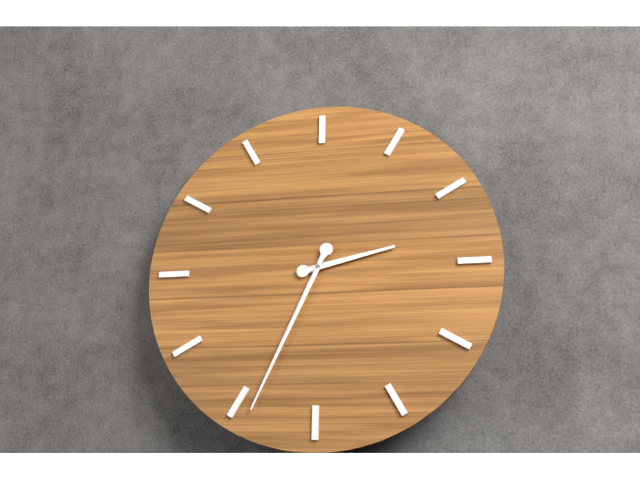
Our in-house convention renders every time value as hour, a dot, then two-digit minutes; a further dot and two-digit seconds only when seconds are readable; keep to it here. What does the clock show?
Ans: 2.34
